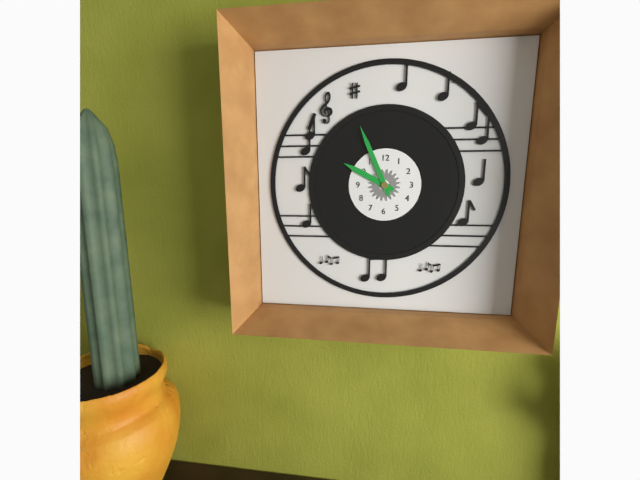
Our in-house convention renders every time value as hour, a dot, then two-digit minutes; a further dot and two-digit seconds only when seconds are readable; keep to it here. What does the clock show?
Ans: 9.56
